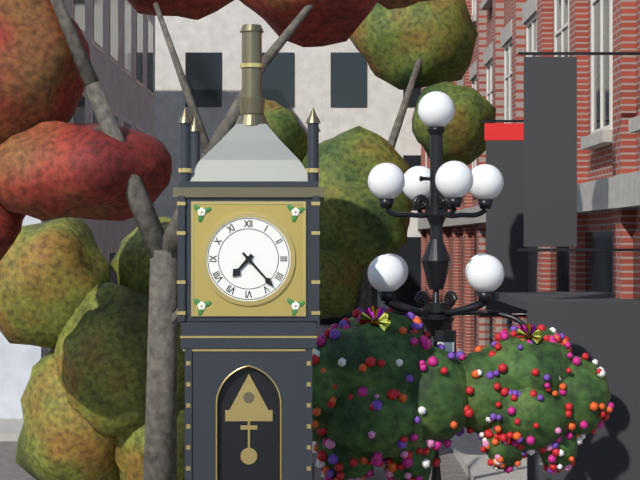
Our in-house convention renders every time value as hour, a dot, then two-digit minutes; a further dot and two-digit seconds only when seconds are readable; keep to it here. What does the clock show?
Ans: 7.23
